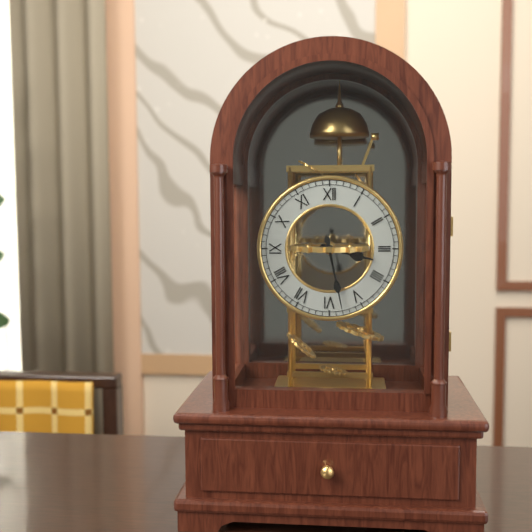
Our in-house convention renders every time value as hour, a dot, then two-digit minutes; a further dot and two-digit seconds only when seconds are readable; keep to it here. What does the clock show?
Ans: 3.28
